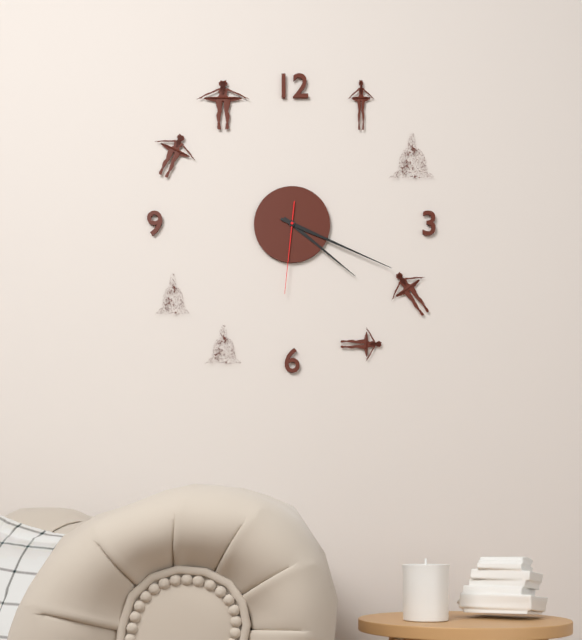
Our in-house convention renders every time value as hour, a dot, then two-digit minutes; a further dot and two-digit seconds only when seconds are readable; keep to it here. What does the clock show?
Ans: 4.19.31
